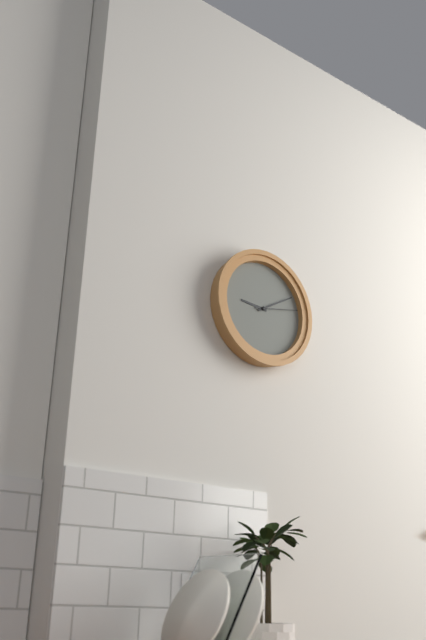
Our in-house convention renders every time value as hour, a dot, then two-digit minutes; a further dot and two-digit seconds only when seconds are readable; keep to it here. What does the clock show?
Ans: 9.10
